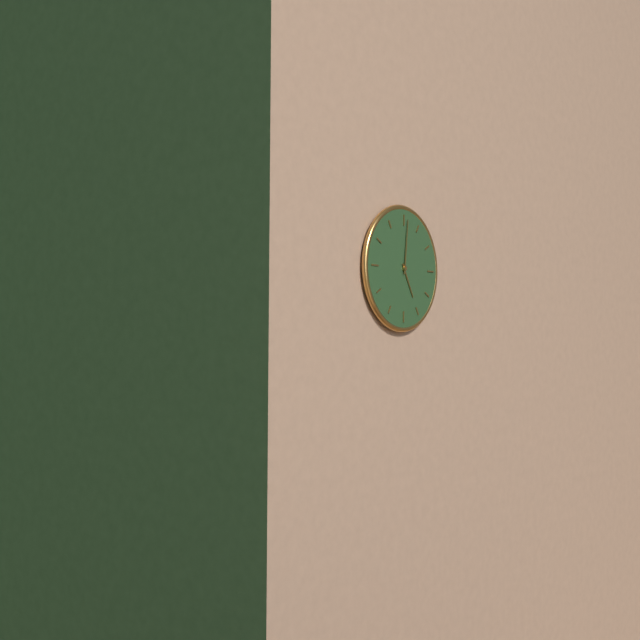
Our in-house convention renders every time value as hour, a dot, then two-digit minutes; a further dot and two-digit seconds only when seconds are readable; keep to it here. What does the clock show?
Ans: 5.01
